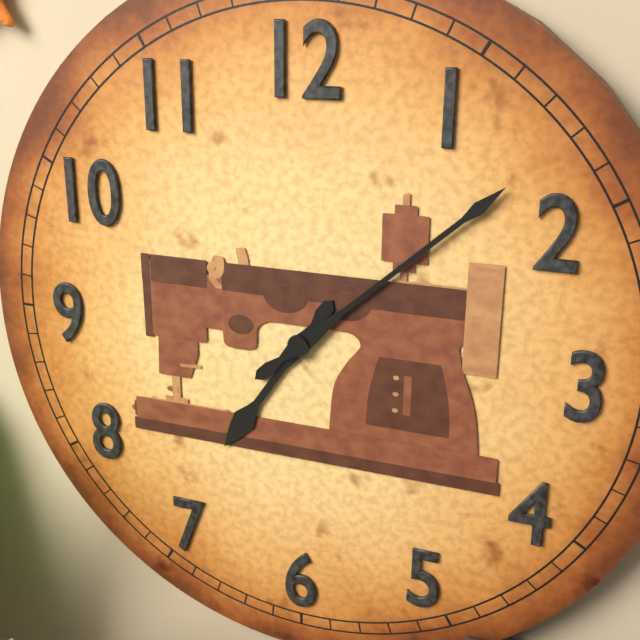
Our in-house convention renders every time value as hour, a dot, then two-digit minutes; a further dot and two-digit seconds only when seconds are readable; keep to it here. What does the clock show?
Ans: 7.08
